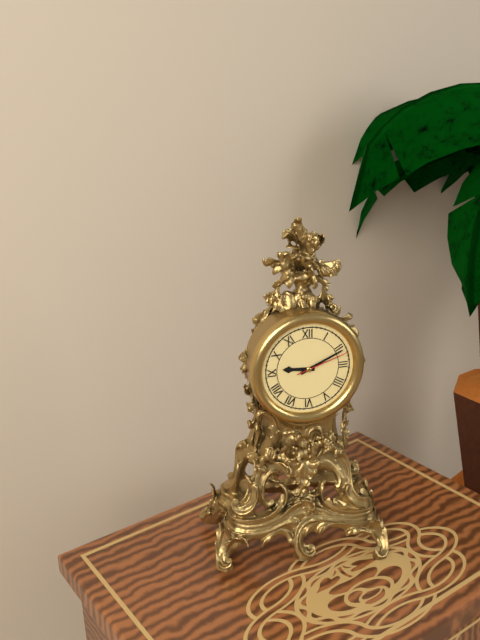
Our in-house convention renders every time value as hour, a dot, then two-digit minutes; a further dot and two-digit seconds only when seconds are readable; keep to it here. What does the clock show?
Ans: 9.11.12
